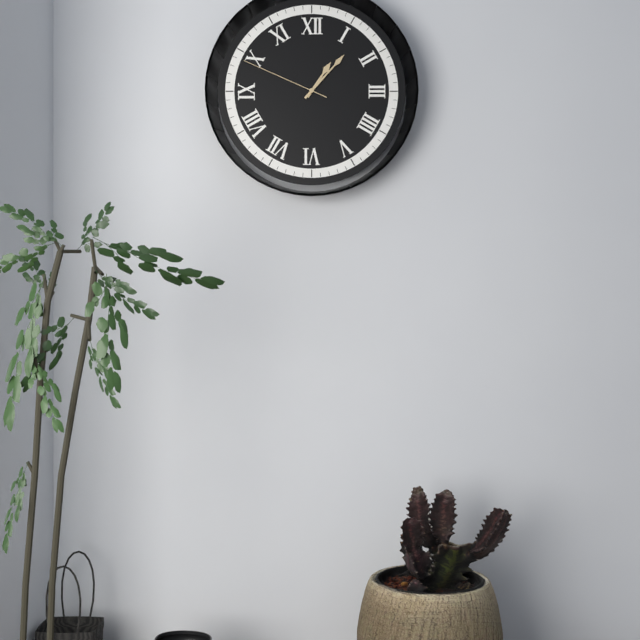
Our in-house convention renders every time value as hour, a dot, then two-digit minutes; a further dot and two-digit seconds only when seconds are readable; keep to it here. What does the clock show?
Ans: 1.07.49
